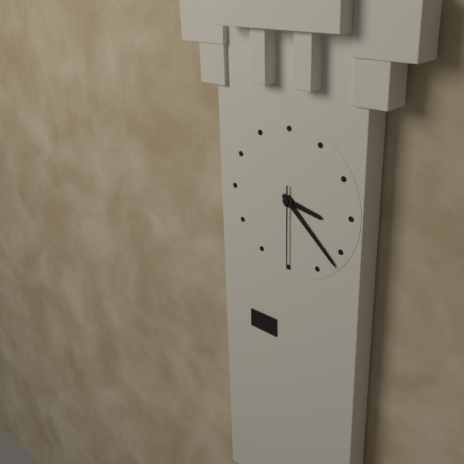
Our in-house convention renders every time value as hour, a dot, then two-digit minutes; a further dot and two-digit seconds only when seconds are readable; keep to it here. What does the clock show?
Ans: 3.22.30
